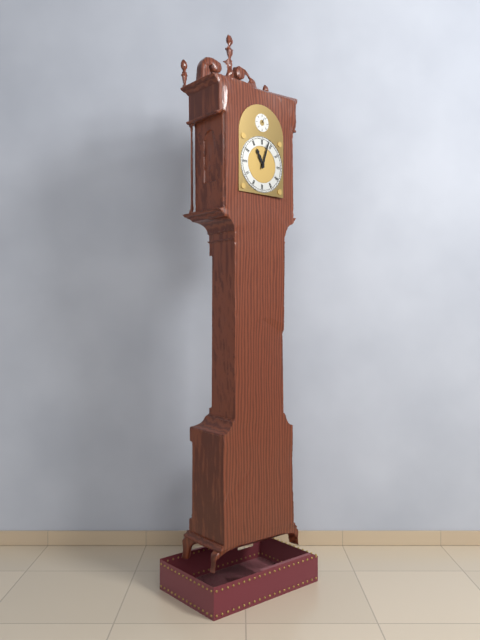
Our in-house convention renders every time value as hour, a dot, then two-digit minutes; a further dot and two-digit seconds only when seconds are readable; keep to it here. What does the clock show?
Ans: 11.03
